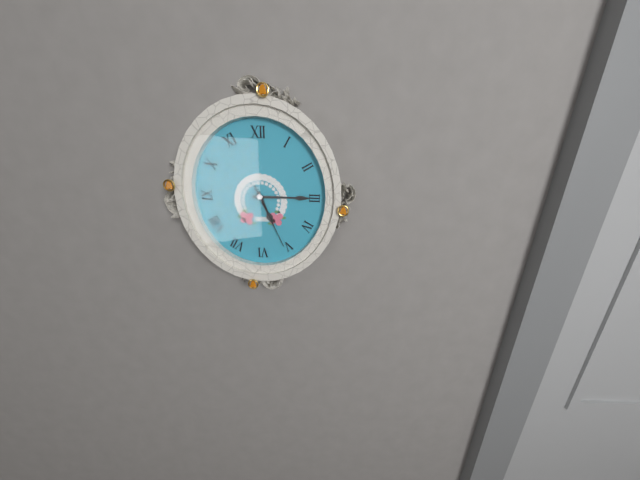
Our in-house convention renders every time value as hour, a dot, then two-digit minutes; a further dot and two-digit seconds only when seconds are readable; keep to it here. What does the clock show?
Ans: 5.15.26
